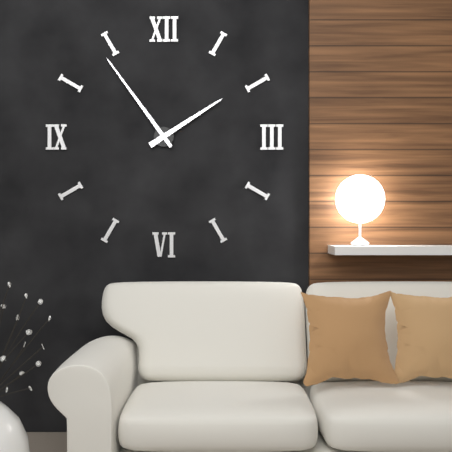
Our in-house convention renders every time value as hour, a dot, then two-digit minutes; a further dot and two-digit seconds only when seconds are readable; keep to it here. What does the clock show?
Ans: 1.54
